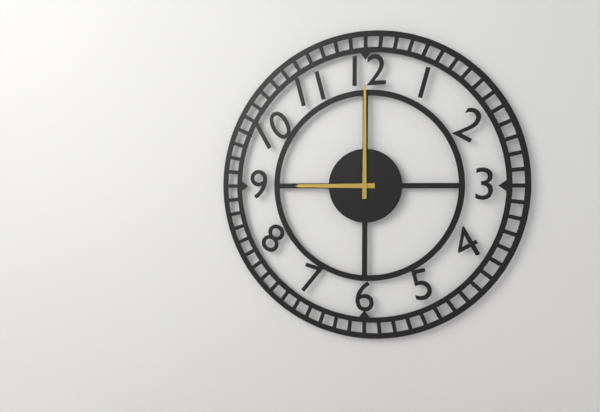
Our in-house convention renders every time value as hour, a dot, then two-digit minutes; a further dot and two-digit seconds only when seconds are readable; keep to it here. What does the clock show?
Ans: 9.00
